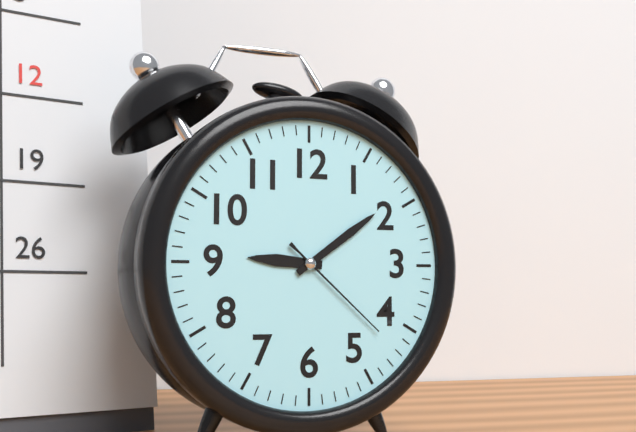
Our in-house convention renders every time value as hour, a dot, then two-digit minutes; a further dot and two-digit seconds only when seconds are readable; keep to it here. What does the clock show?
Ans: 9.09.22
